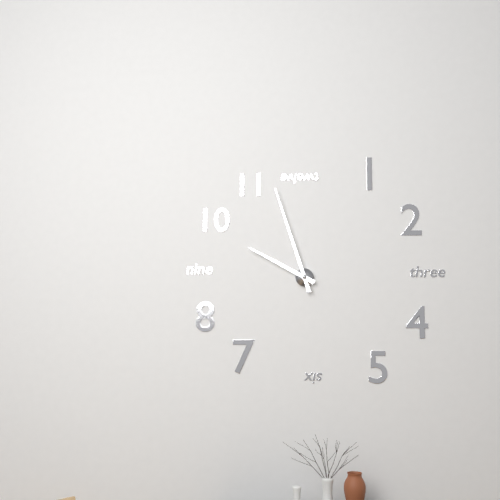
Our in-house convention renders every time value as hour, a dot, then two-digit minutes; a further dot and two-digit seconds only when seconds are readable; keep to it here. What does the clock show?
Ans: 9.57
